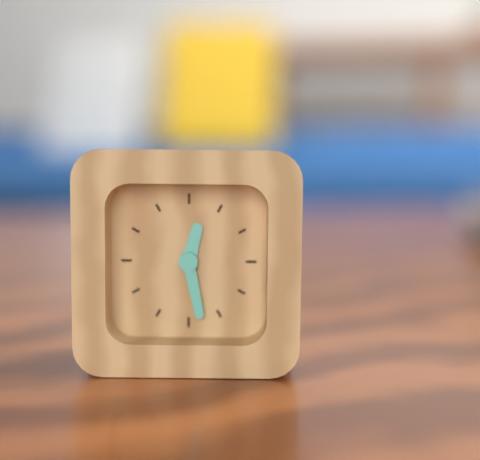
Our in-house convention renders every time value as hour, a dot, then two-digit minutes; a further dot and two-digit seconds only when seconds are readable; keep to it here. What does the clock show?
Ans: 12.28
